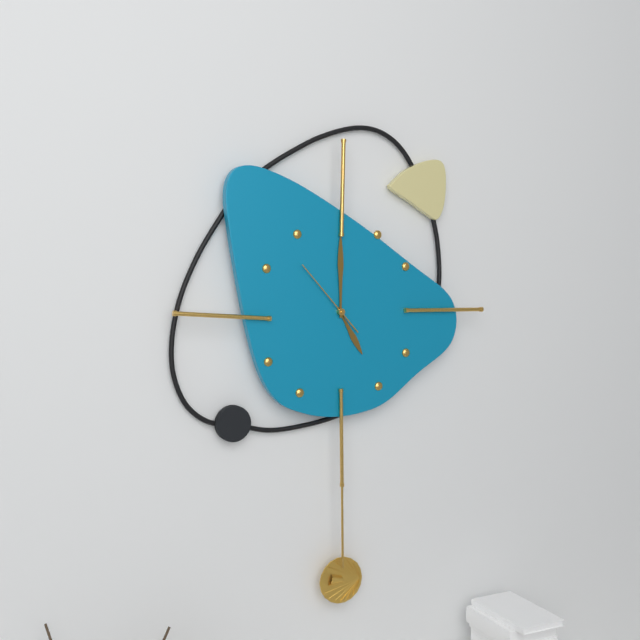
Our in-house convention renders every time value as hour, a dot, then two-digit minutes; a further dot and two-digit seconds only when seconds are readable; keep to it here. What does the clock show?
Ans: 5.00.53
